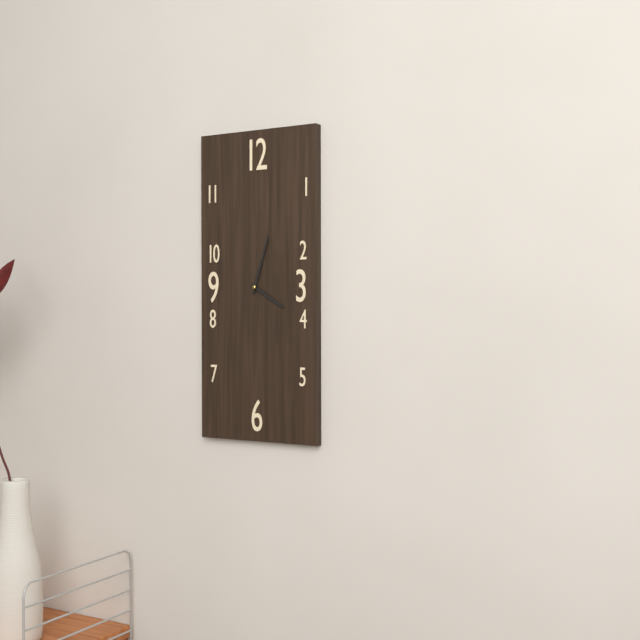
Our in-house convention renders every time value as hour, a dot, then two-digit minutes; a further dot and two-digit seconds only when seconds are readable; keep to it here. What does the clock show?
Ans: 4.03
